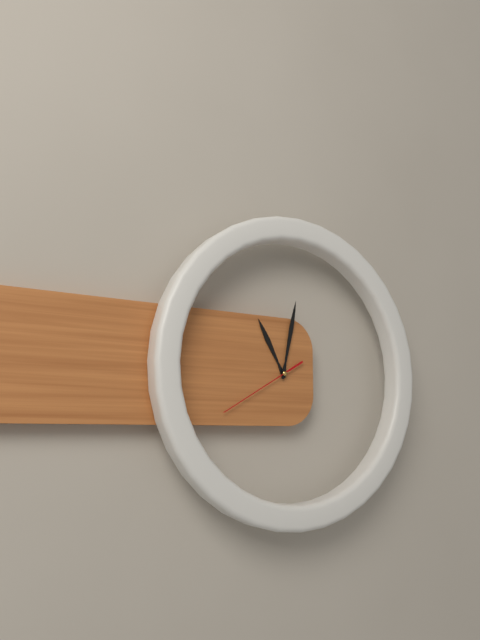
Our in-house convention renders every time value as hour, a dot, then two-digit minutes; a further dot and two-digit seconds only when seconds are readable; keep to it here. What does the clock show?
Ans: 11.02.40
